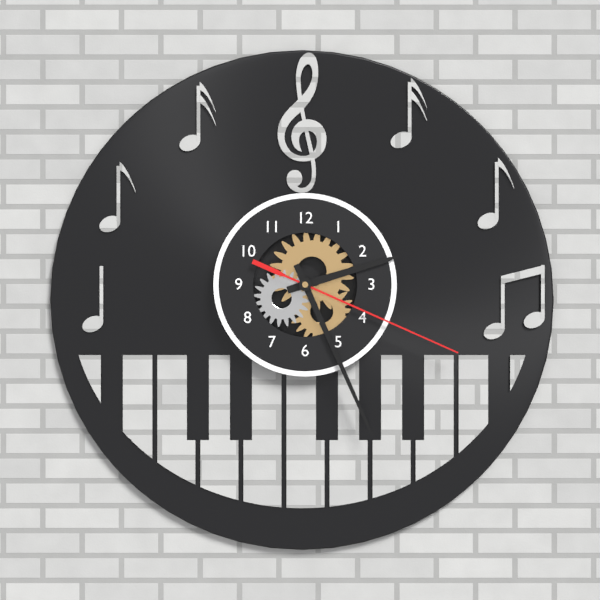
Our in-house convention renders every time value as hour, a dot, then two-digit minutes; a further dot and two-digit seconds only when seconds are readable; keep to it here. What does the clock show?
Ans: 2.26.19
